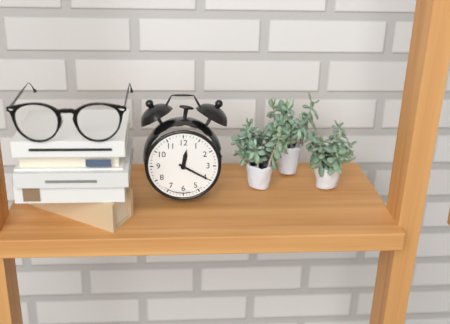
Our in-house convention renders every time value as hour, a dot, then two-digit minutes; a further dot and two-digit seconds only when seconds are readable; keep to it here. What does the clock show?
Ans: 12.20
